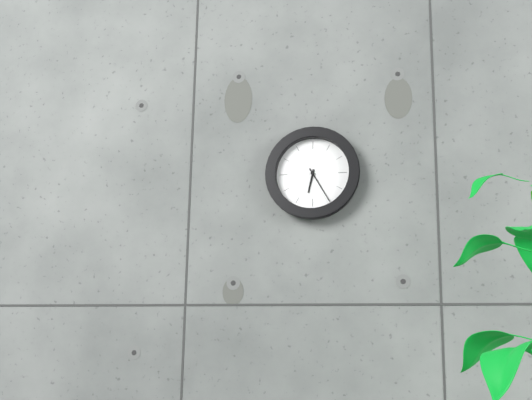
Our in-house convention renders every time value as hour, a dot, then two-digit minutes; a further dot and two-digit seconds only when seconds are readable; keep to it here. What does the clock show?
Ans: 6.25
